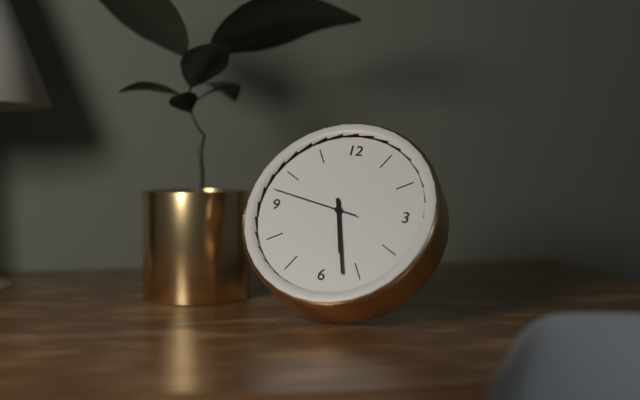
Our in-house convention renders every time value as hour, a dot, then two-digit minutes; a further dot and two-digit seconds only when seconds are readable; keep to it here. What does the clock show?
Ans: 5.27.47
